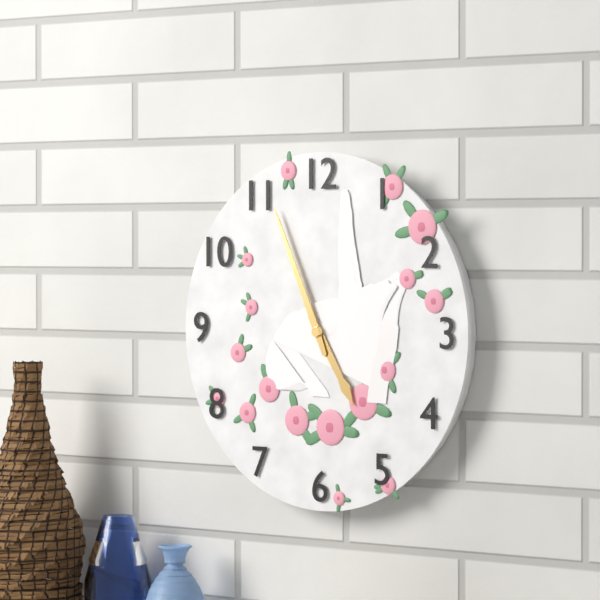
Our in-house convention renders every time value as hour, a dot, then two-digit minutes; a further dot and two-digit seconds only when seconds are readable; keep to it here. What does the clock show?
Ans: 4.56
